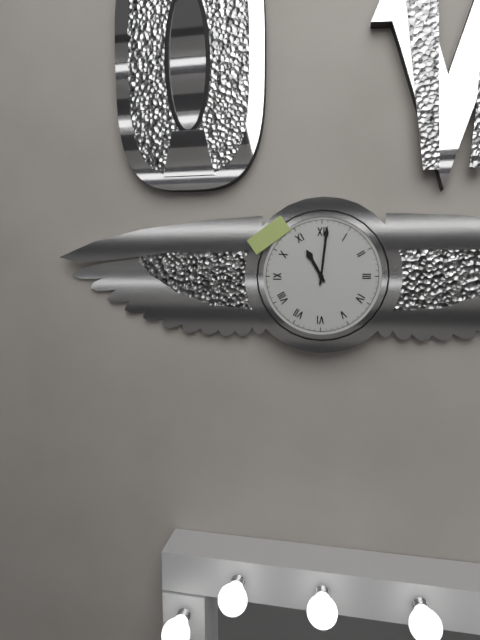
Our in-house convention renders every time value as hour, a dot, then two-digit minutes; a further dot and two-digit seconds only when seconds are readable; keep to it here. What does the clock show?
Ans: 11.01
